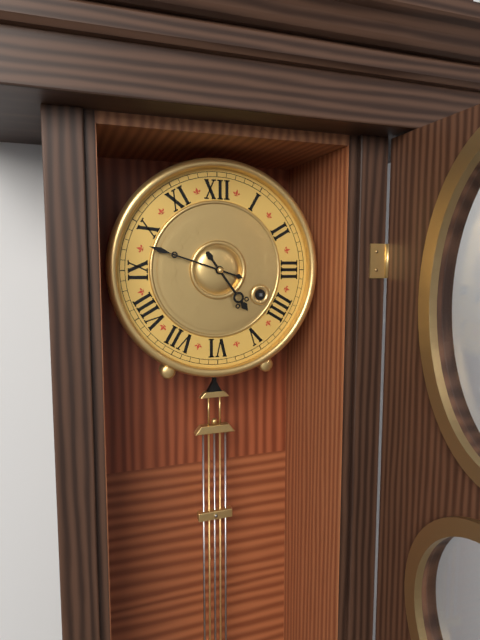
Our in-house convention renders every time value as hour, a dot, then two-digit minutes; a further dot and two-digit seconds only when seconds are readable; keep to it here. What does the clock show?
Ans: 4.48
